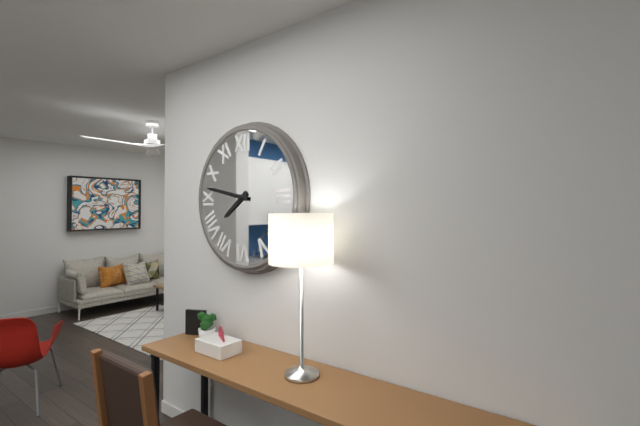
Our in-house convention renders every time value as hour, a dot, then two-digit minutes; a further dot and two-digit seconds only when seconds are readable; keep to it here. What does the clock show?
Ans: 7.47
